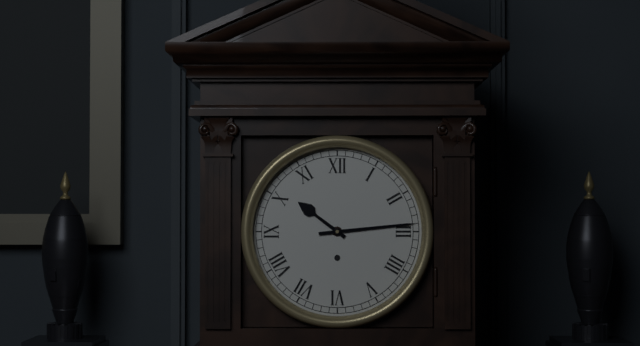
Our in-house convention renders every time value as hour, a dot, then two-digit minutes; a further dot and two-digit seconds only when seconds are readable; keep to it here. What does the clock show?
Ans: 10.14
